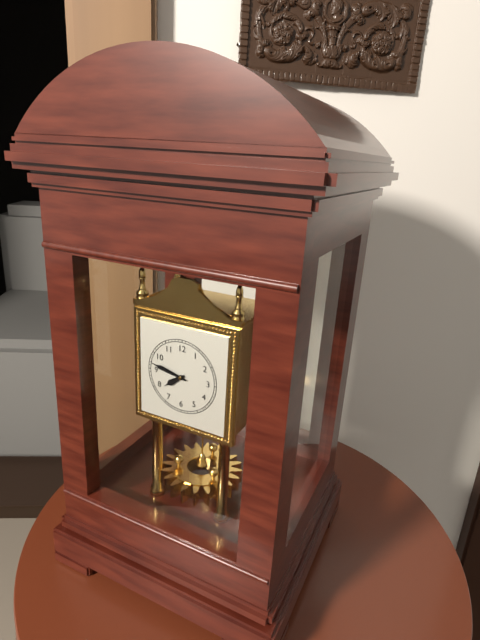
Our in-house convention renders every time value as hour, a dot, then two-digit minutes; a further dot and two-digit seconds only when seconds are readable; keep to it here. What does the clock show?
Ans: 7.47
